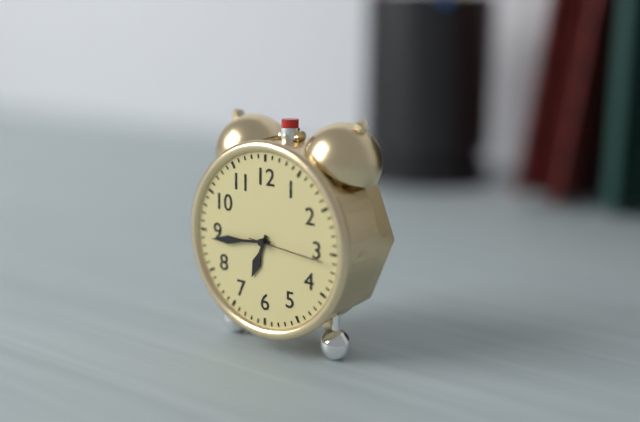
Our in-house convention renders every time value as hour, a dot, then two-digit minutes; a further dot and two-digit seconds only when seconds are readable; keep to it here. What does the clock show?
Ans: 6.44.16
